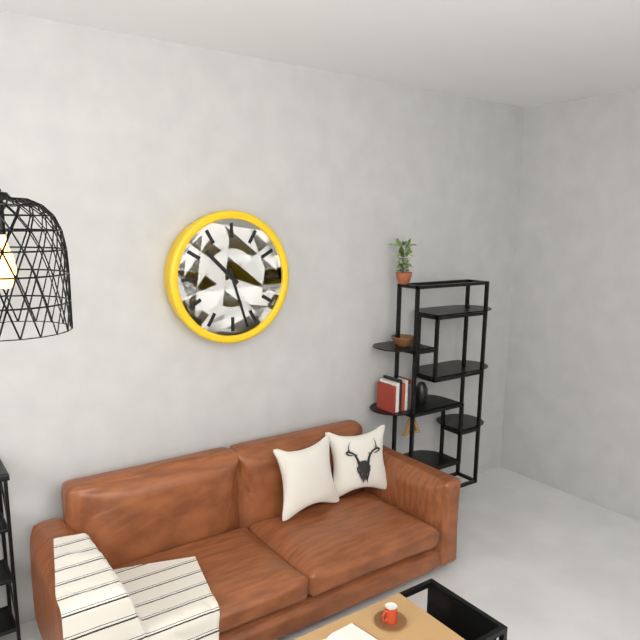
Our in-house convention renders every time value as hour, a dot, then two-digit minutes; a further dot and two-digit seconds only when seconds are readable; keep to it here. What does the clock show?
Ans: 10.27
